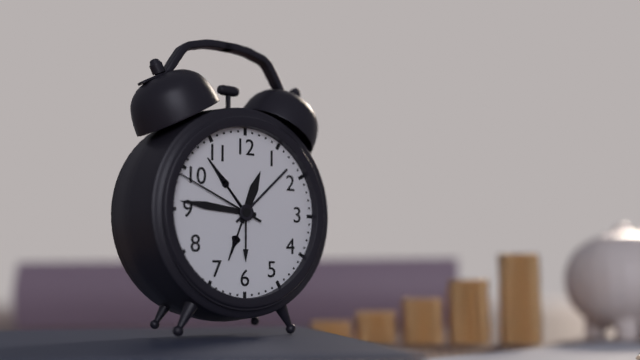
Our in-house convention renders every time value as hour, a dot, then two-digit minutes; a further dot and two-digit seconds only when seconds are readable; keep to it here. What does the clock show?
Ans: 12.46.49
